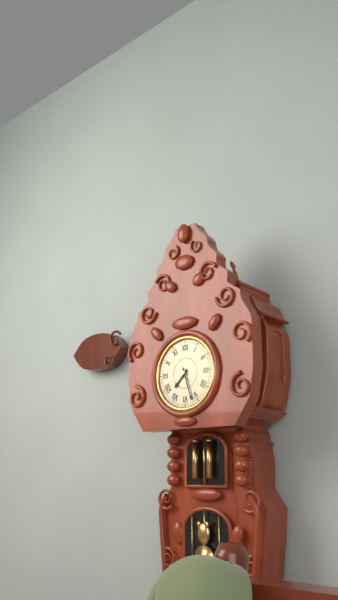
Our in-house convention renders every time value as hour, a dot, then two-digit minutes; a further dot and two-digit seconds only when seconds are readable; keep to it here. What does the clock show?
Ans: 7.27
